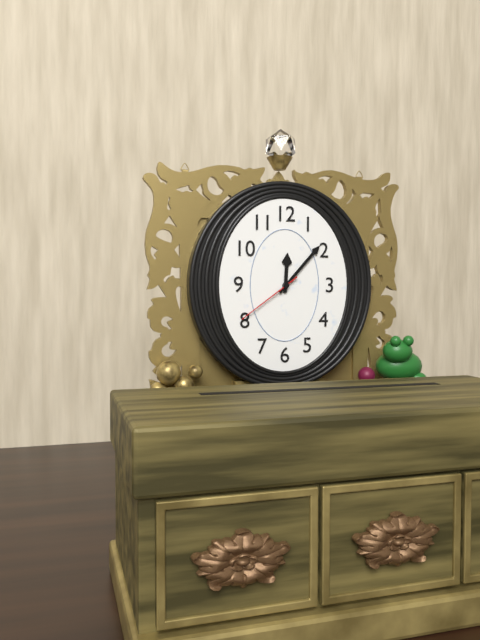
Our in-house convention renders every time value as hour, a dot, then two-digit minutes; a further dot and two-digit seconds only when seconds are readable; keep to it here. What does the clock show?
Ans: 12.07.39
